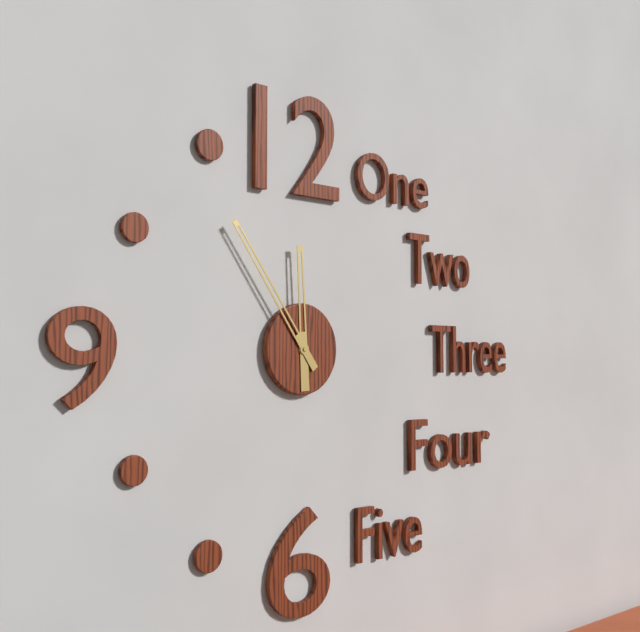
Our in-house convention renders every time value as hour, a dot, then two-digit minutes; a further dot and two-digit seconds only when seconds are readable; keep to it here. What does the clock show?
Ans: 11.54
